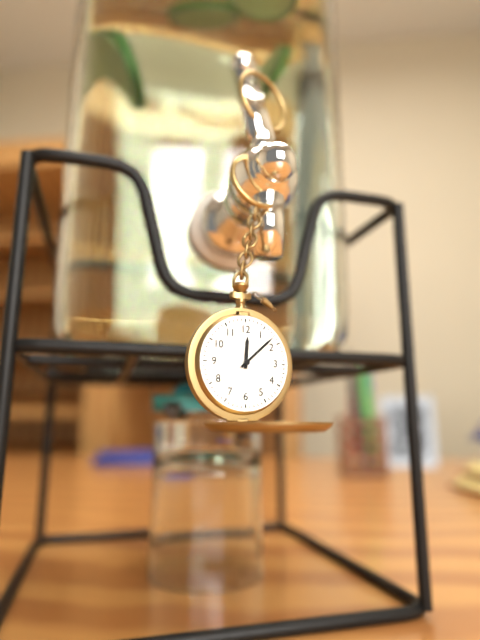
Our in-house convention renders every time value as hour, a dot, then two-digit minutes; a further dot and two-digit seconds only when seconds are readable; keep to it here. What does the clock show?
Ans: 12.08
